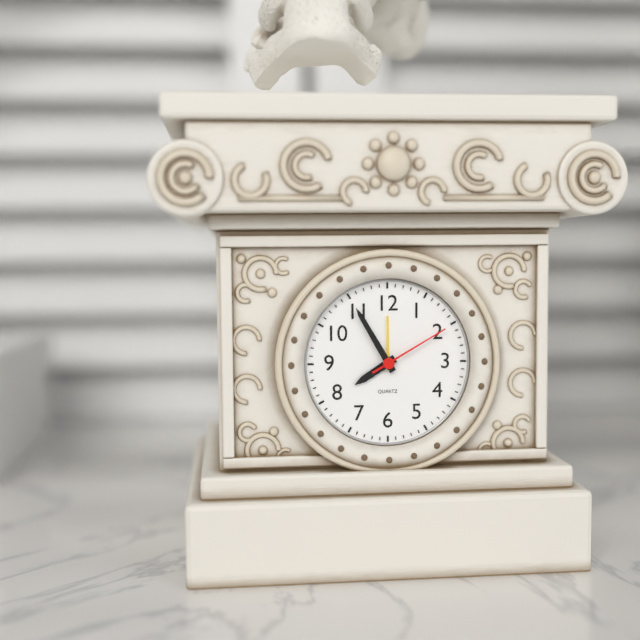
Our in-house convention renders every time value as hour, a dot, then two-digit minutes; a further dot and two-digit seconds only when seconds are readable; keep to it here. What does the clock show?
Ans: 7.55.10
